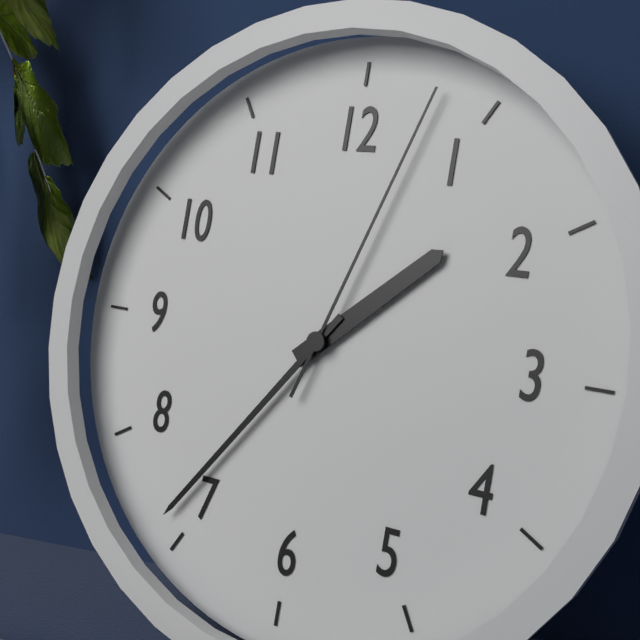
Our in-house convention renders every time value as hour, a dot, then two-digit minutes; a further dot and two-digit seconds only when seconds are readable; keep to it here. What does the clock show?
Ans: 1.36.03
